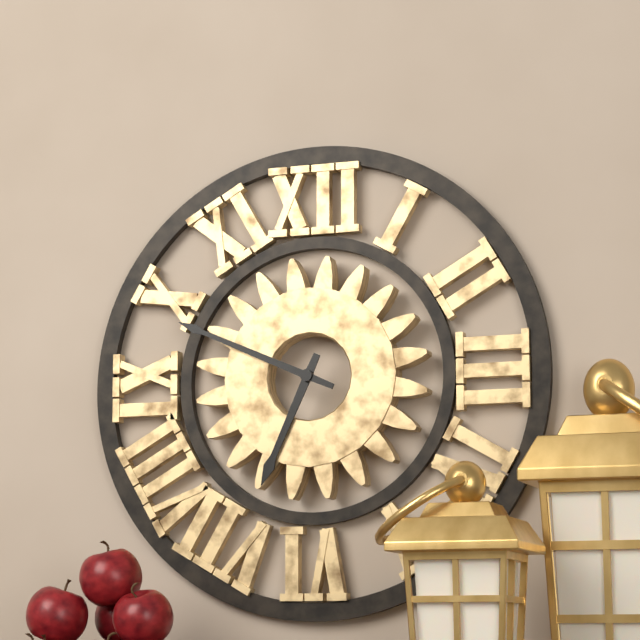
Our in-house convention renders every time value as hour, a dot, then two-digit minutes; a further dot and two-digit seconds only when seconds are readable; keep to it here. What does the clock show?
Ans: 6.49
